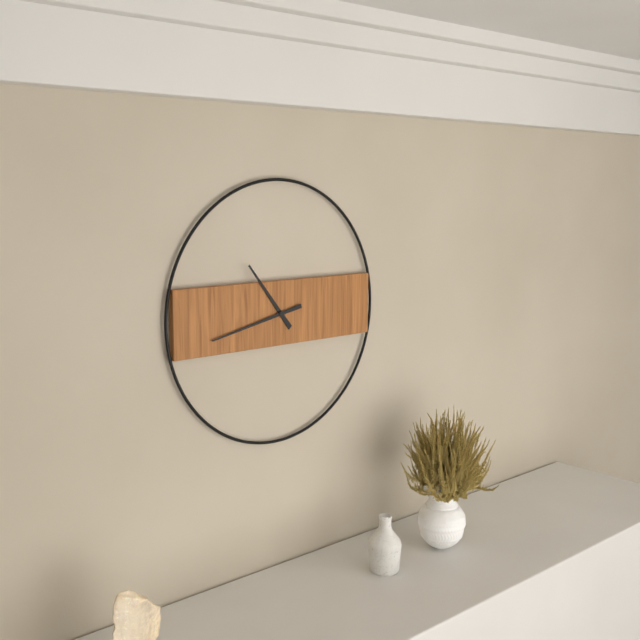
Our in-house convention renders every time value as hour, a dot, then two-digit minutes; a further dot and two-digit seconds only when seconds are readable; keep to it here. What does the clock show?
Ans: 10.43
